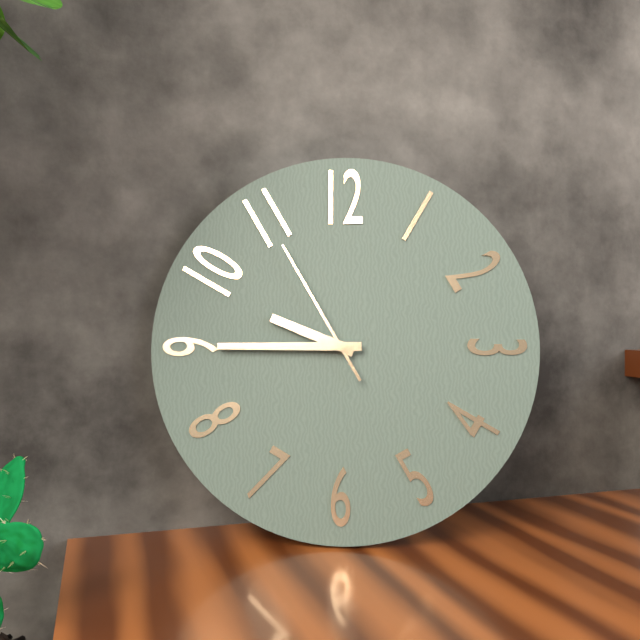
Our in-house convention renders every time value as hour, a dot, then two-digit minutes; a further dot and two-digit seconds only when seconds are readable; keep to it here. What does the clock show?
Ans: 9.45.55
